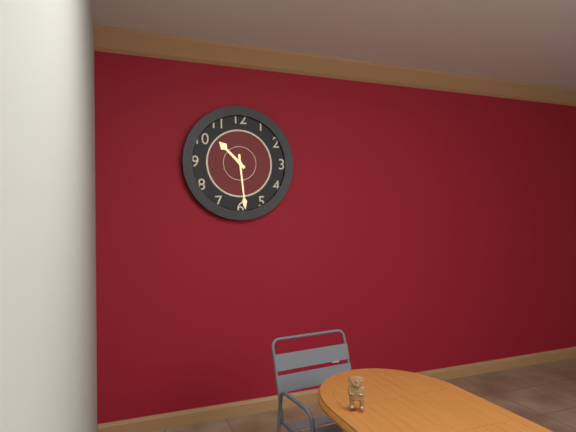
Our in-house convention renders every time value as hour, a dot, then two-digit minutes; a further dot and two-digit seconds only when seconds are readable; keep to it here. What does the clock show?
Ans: 10.29
